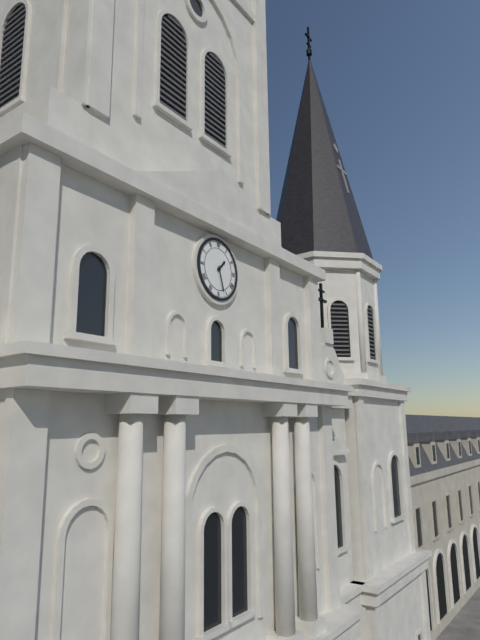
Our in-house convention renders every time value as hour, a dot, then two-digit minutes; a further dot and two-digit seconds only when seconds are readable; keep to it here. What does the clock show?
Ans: 1.27
